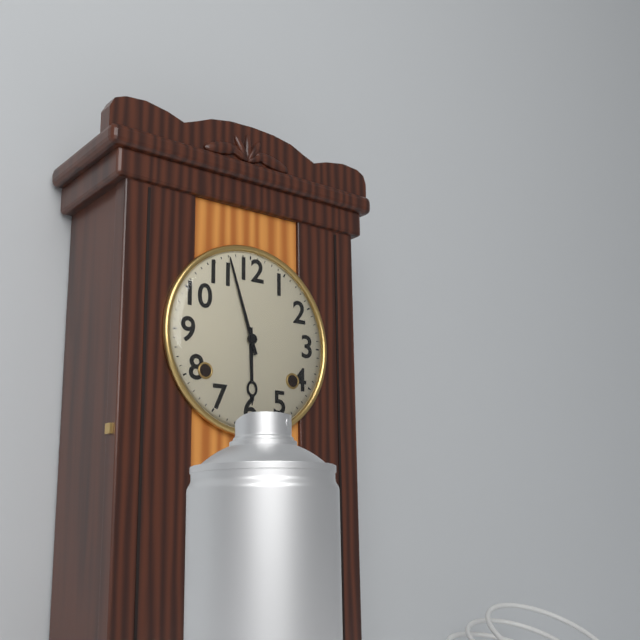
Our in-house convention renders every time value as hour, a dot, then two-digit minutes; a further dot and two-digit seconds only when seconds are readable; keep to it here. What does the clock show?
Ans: 5.57
